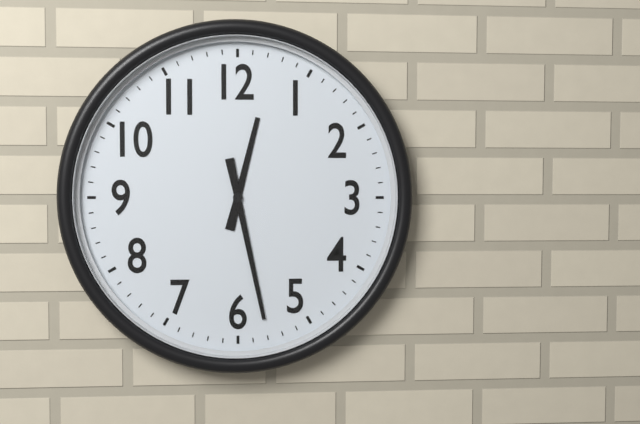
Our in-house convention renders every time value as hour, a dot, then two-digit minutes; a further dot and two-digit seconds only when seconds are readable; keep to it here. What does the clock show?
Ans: 12.28
